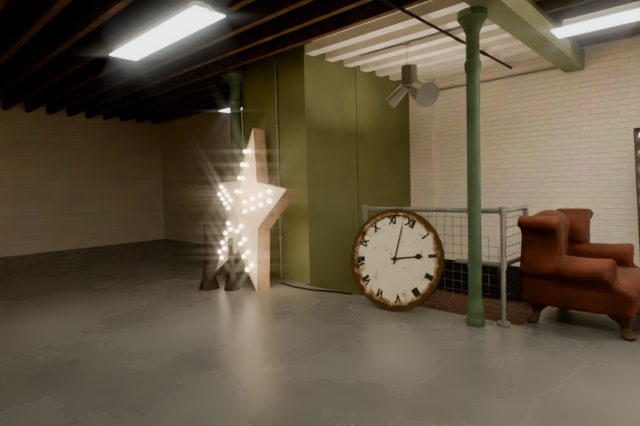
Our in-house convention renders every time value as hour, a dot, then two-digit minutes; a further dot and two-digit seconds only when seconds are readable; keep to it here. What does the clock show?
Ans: 1.58
